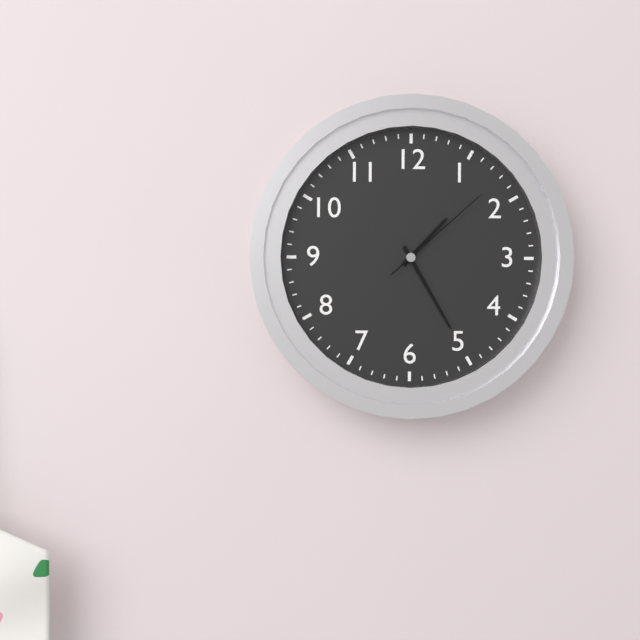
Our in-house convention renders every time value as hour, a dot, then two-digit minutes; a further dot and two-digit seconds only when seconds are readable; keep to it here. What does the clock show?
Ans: 1.25.08
